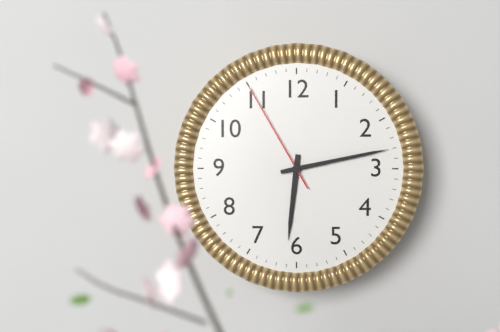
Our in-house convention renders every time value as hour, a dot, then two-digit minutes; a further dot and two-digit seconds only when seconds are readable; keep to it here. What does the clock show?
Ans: 6.13.55
